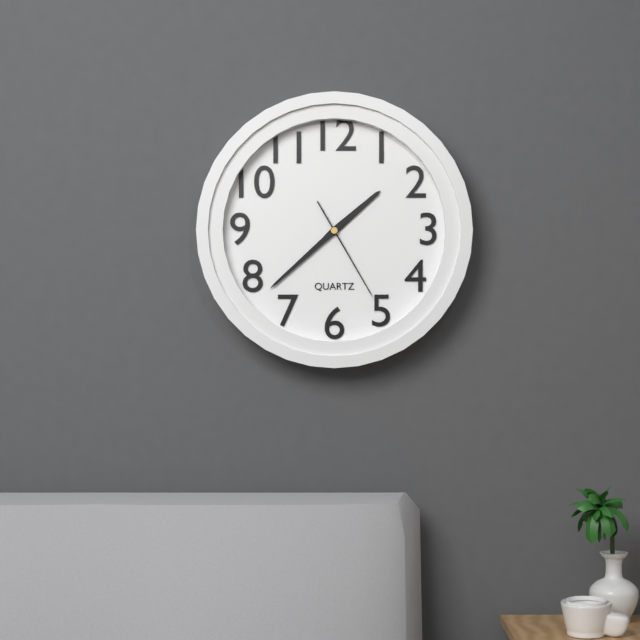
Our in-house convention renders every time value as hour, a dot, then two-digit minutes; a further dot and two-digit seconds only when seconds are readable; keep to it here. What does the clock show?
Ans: 1.38.25
